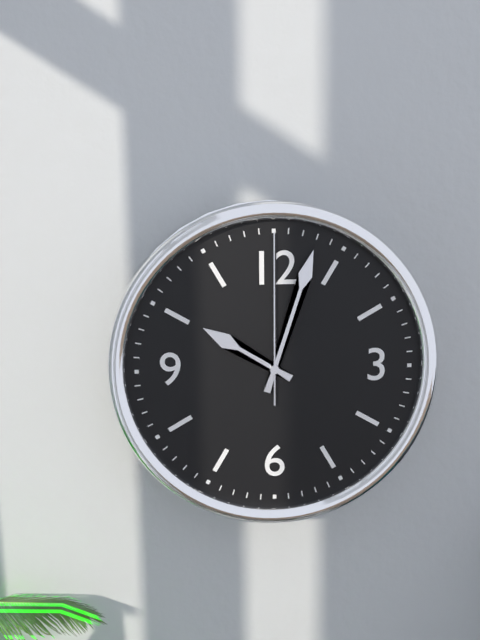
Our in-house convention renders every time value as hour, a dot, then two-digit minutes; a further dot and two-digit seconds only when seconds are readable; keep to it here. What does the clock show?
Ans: 10.03.00
